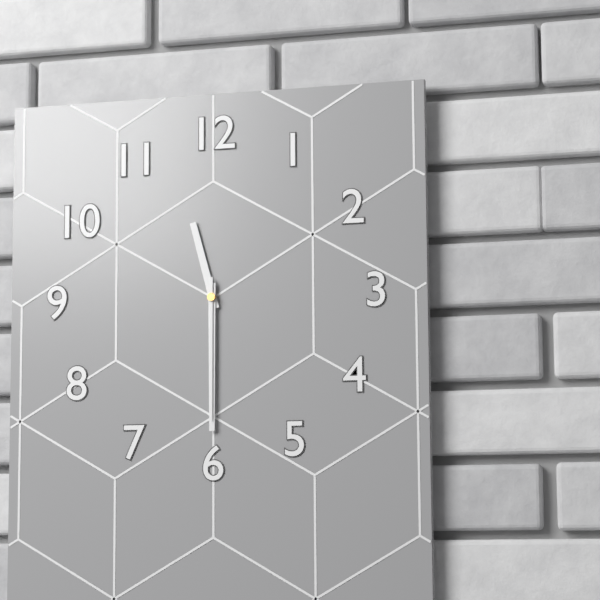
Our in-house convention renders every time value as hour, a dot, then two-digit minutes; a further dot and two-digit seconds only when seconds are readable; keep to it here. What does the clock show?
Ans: 11.30.30
